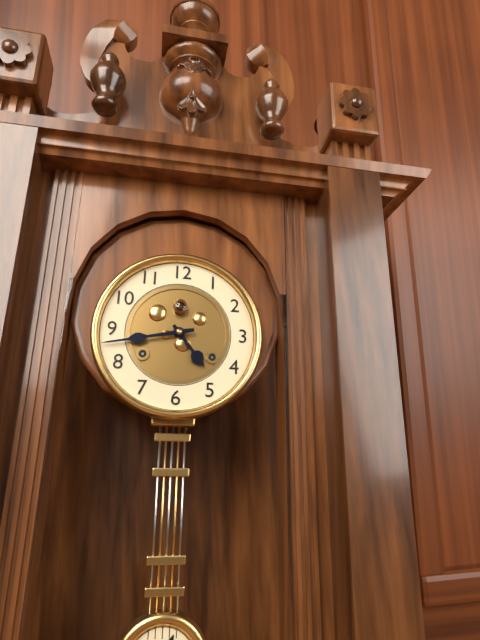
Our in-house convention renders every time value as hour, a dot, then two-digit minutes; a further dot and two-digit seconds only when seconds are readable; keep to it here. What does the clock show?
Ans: 4.43
